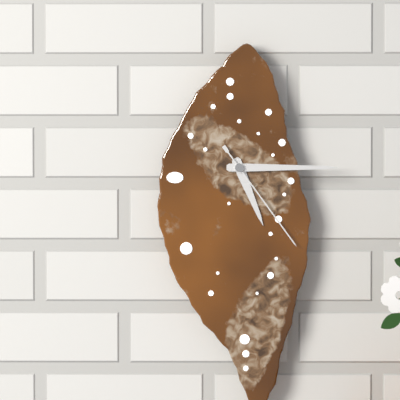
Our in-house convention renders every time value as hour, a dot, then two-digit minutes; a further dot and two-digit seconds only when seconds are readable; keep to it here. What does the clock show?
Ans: 5.15.24
